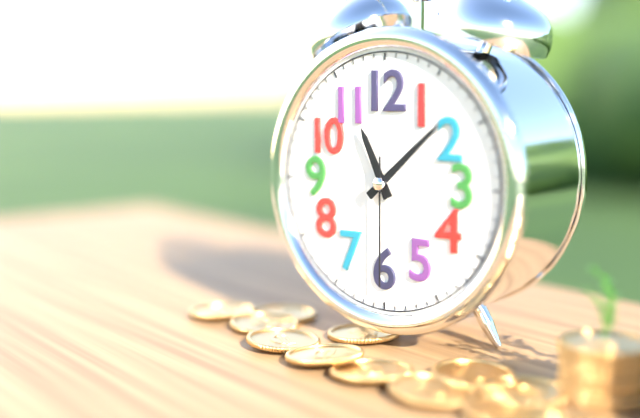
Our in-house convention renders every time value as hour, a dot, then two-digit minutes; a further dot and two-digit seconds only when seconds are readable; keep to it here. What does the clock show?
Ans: 11.08.30
